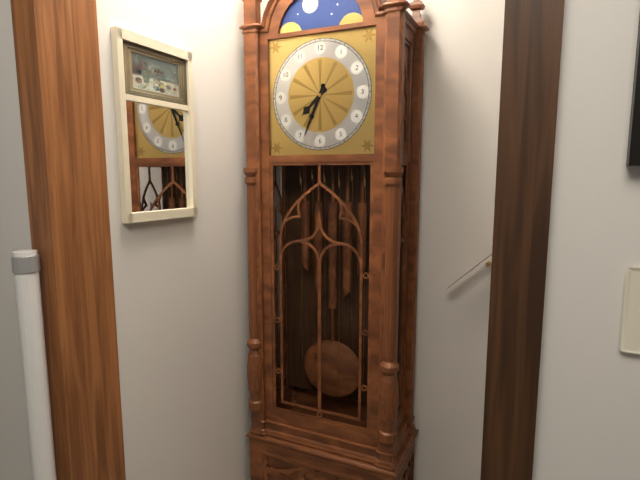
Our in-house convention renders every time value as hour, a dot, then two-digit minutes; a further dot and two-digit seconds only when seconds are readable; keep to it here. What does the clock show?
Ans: 7.34
